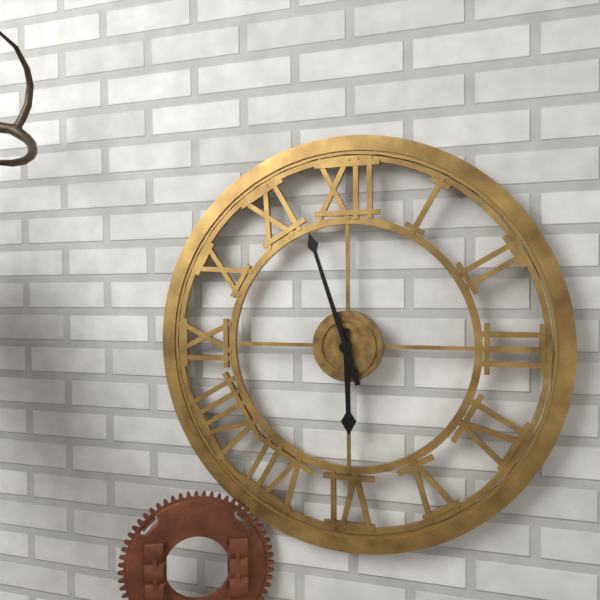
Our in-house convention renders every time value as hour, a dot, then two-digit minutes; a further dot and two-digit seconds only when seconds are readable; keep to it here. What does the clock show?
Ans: 5.57
